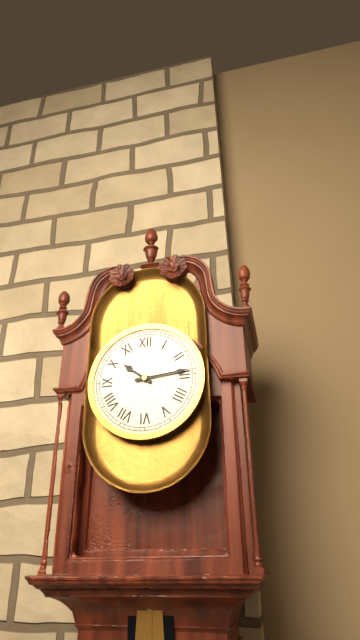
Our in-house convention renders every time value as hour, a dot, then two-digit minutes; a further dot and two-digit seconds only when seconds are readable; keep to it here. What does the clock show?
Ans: 10.14
